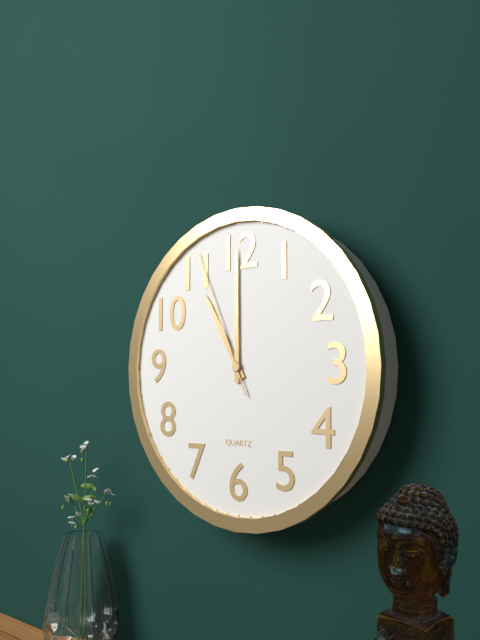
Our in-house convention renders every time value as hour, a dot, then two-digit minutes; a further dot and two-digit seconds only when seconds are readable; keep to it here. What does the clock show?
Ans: 11.00.56
